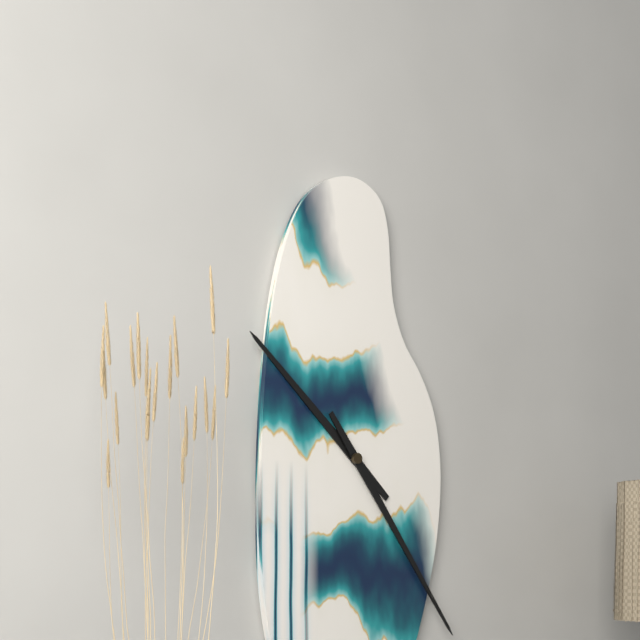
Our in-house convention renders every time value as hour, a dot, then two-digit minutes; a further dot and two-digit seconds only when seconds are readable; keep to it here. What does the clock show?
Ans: 10.24
